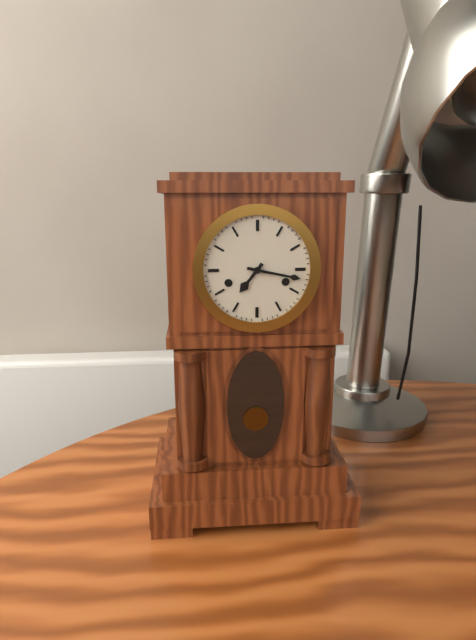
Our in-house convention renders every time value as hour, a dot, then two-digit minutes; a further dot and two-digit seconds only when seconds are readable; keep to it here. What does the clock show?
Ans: 7.17
